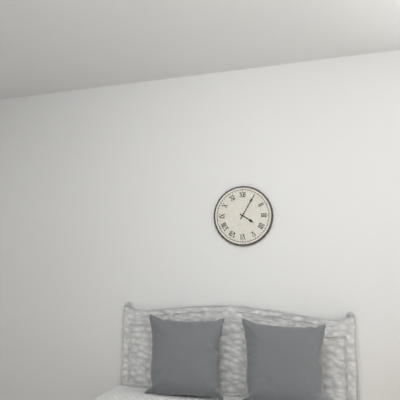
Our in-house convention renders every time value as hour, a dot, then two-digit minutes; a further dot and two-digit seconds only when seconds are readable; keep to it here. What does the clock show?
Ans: 4.05
